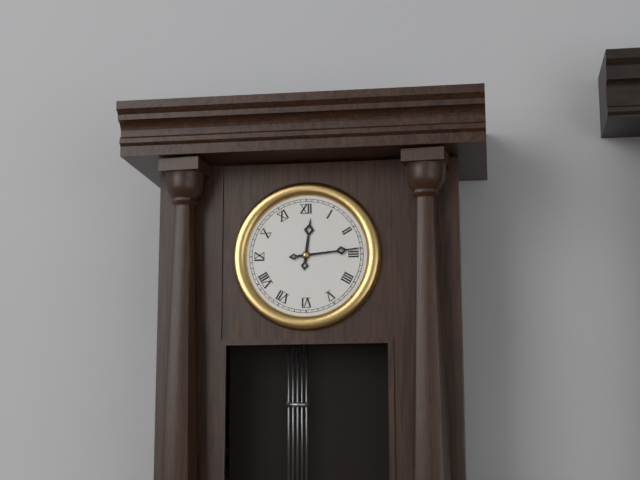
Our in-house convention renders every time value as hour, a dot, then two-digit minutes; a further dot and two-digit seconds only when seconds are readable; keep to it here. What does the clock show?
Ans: 12.14
